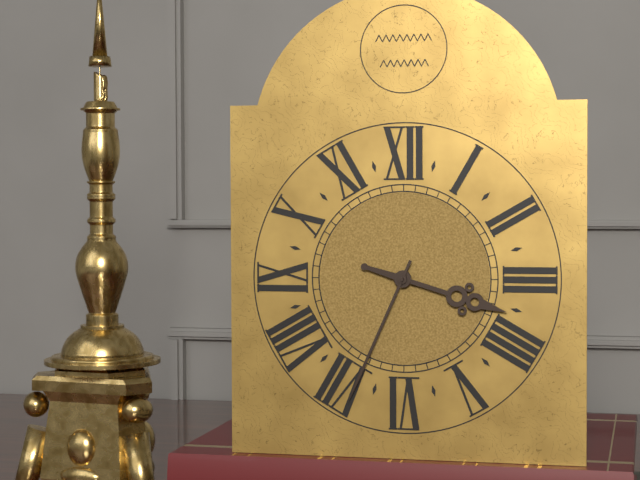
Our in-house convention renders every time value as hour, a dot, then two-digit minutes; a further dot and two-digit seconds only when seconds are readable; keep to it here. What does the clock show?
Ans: 3.34
